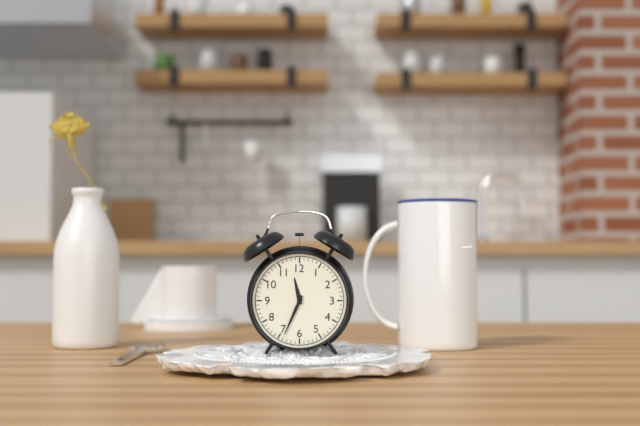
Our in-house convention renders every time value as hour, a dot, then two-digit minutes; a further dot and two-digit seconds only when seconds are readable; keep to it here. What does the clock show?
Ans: 11.34
